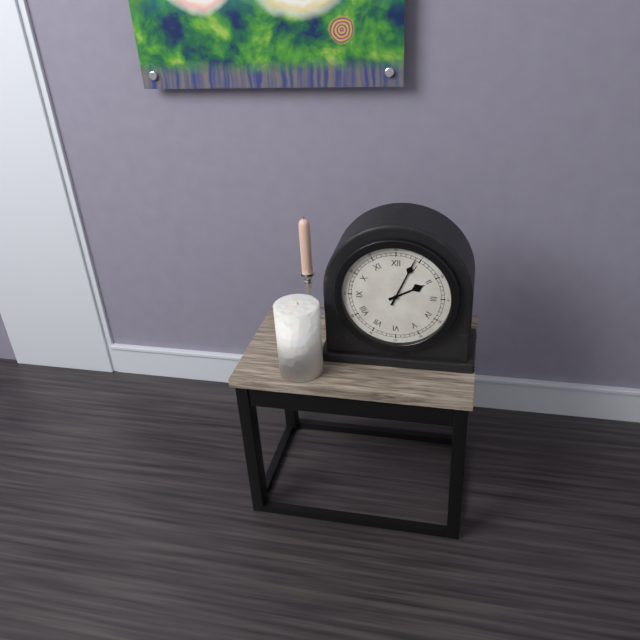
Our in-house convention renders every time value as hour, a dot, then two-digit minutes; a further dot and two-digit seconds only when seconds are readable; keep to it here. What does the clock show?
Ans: 2.04
